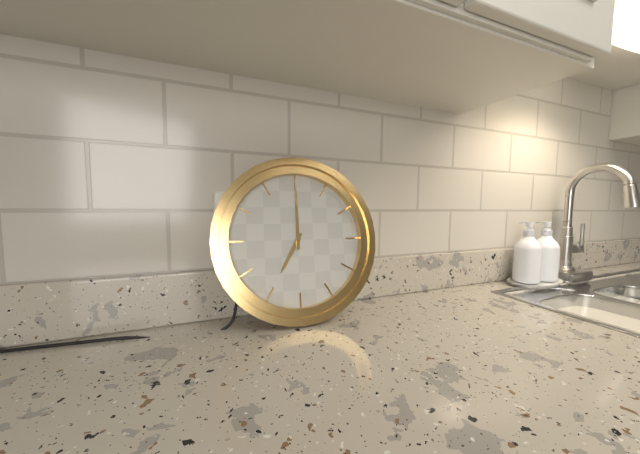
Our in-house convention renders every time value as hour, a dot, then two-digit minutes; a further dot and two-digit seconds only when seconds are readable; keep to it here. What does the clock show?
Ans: 7.00
